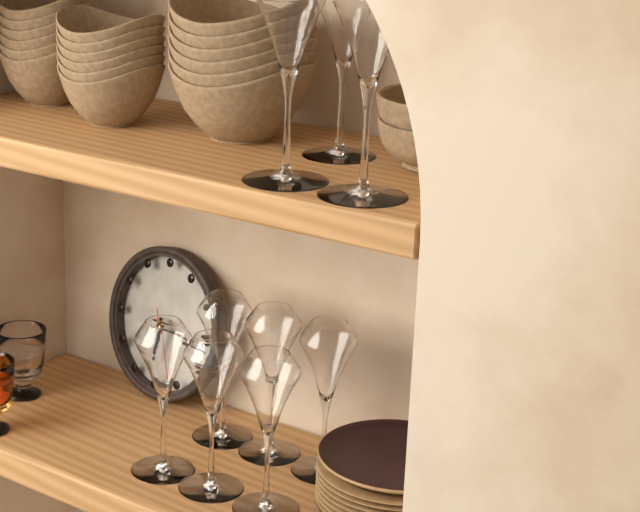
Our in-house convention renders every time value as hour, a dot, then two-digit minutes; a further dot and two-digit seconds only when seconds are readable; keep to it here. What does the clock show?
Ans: 6.17.26
